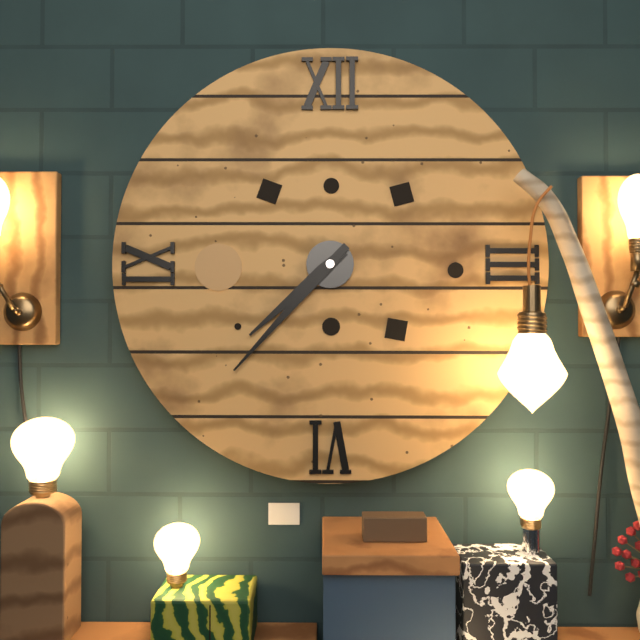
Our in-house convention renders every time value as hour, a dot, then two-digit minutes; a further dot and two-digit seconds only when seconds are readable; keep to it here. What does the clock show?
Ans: 7.37
